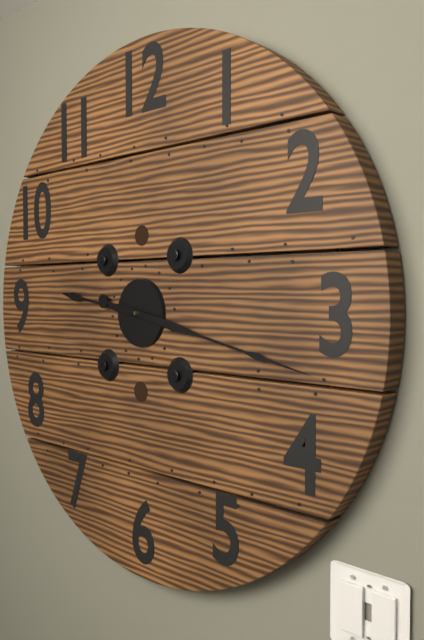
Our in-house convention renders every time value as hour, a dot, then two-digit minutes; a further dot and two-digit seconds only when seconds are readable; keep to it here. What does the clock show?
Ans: 9.17
